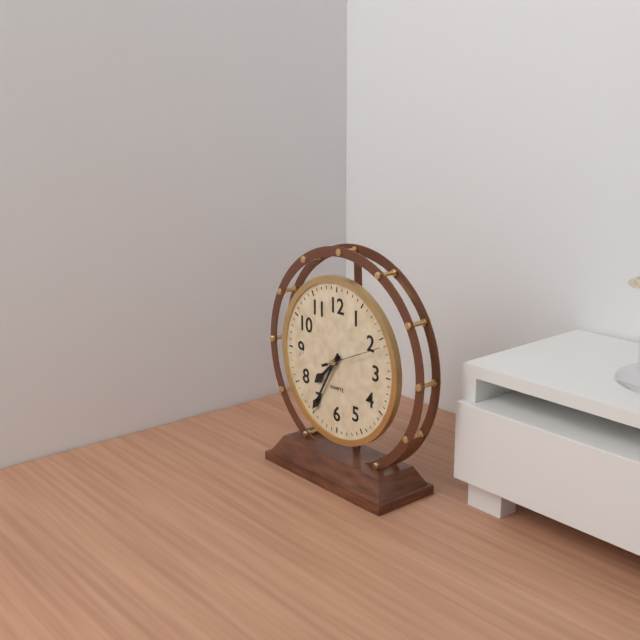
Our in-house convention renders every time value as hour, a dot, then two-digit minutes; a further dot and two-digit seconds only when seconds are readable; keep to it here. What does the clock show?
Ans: 7.35.11
